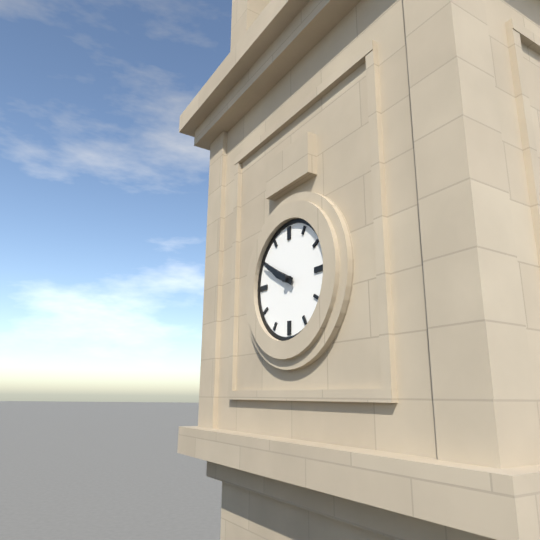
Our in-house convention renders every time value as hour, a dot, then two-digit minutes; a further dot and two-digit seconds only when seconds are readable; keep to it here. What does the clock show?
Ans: 9.50
